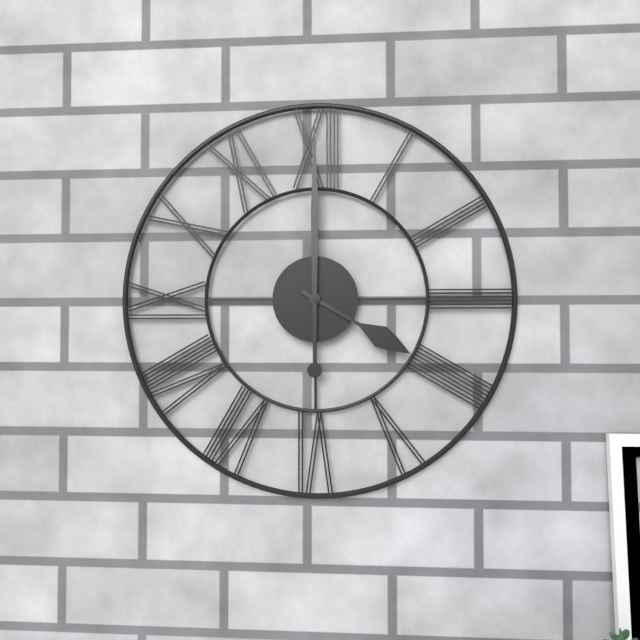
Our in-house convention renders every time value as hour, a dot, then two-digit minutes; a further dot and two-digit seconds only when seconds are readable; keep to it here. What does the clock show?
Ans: 4.00
